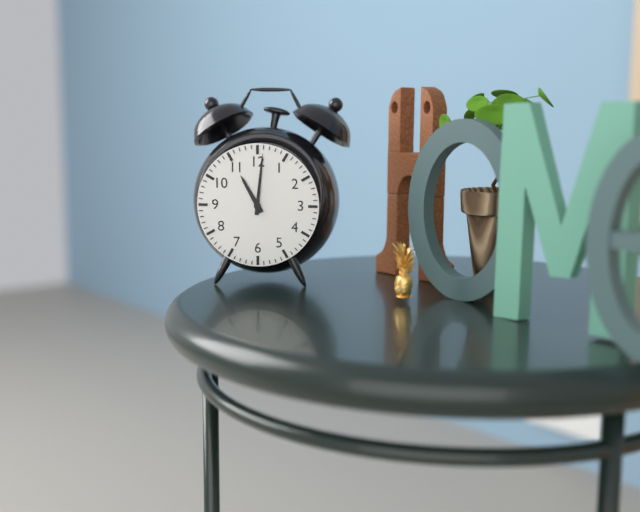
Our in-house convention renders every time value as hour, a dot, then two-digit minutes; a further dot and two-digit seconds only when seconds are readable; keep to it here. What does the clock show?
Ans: 11.01
